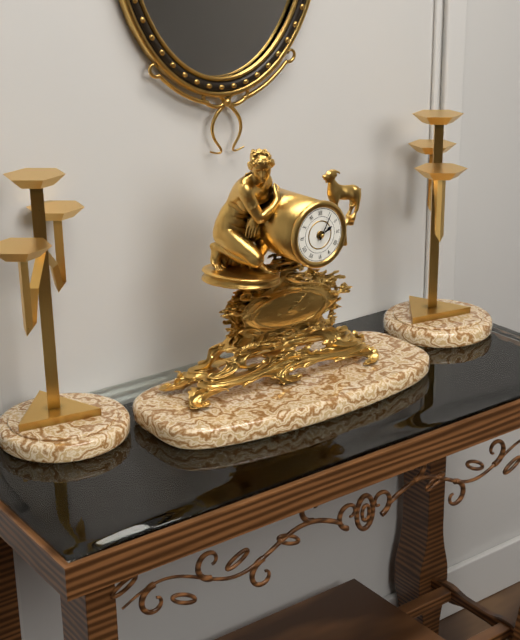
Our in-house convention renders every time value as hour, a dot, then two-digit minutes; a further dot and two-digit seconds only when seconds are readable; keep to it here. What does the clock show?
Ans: 2.05
